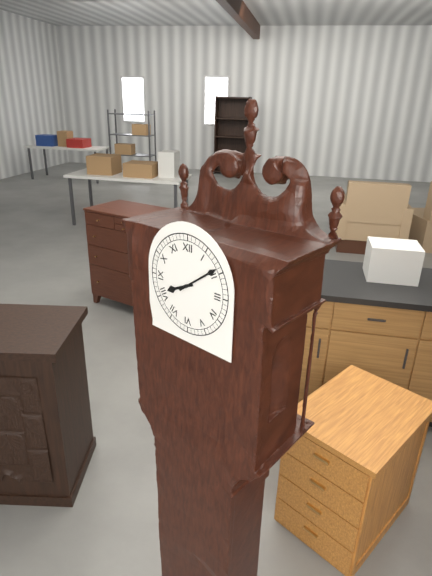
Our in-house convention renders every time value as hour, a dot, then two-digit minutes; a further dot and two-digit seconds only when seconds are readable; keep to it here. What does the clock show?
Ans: 8.09
